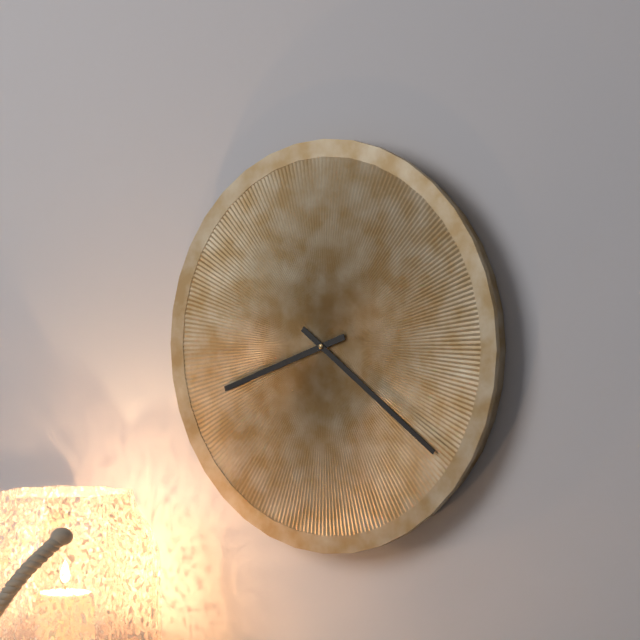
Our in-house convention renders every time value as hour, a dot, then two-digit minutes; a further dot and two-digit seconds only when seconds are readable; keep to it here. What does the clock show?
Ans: 8.21
